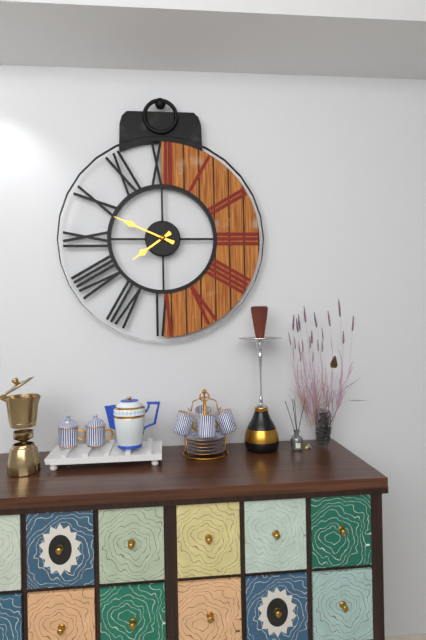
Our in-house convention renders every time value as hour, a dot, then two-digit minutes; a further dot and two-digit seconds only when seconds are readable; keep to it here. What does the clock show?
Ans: 7.49
